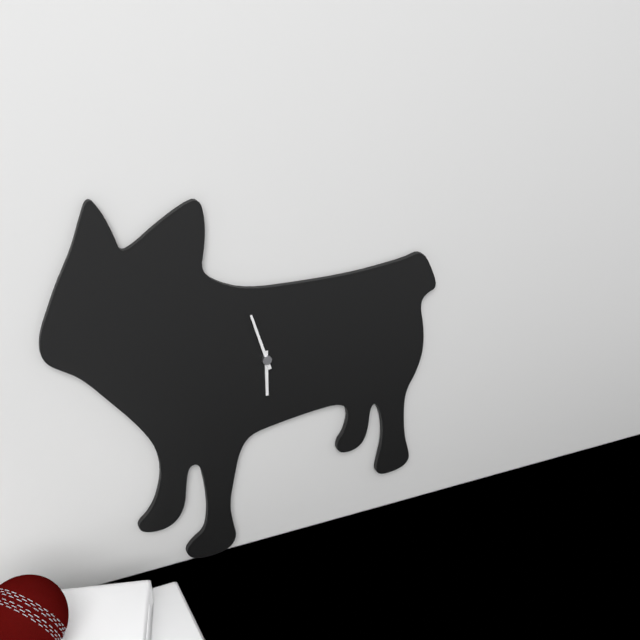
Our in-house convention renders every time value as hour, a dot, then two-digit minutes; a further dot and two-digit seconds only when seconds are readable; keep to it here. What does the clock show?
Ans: 5.57
